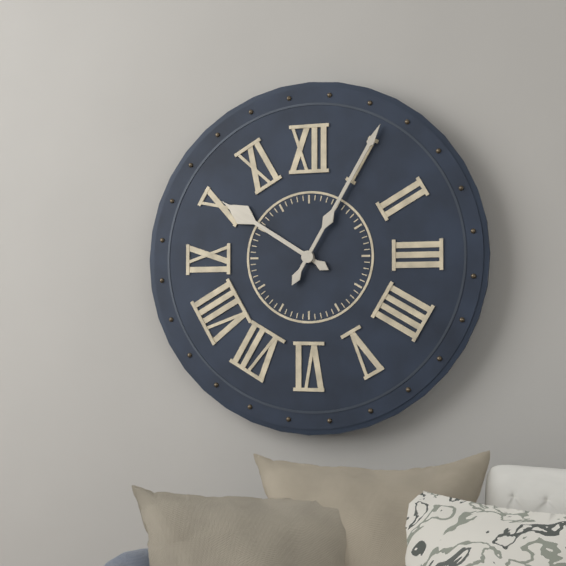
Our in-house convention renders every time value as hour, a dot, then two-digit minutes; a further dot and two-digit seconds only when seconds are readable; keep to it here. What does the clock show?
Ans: 10.05
